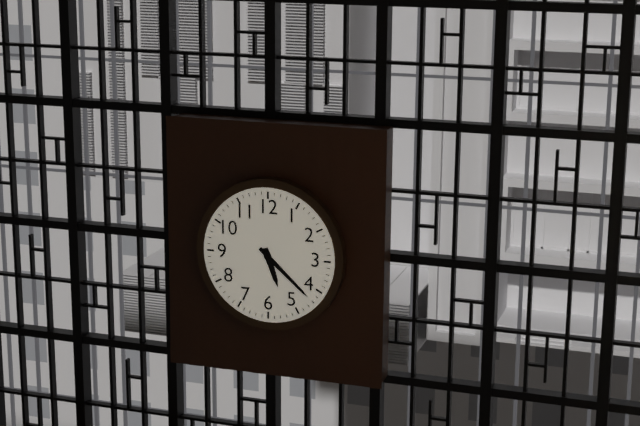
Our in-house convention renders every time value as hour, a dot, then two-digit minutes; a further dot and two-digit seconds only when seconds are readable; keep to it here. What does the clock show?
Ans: 5.22
